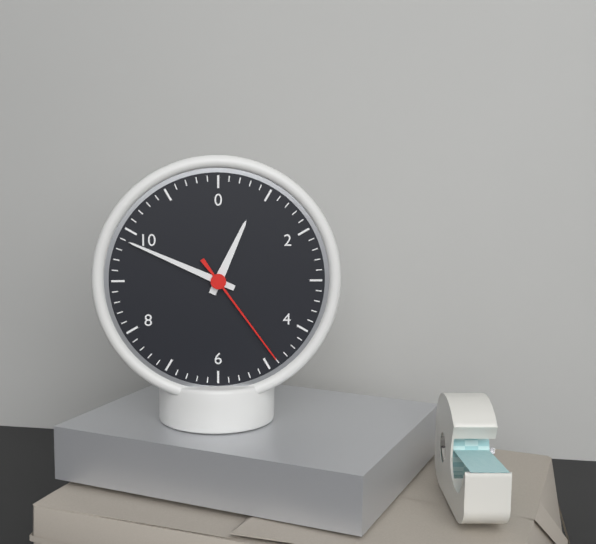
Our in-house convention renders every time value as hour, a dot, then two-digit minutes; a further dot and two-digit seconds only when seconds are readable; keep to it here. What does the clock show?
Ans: 12.49.24
